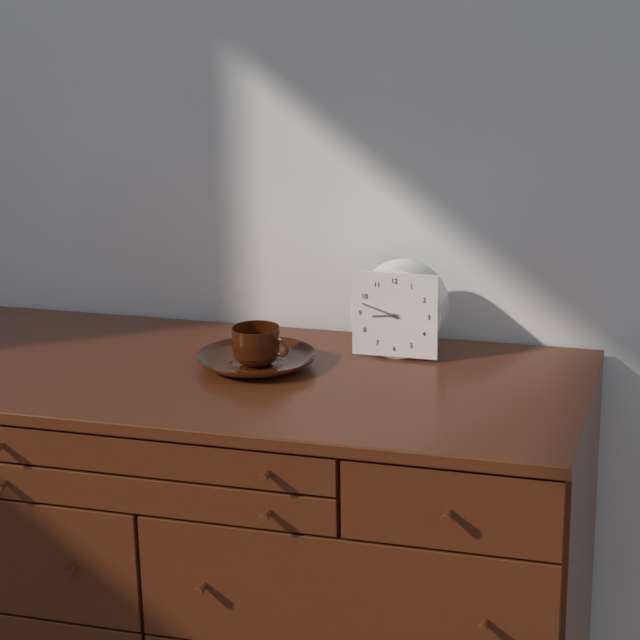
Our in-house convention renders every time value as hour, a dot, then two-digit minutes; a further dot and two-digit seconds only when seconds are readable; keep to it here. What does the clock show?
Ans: 8.48
